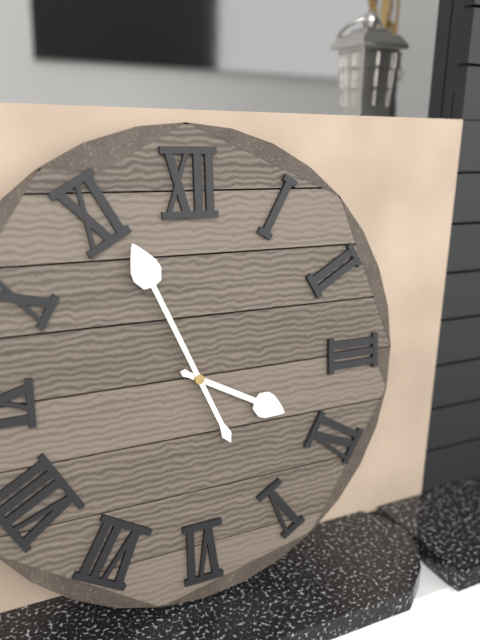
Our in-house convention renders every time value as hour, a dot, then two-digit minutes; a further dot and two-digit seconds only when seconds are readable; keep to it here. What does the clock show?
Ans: 3.56
